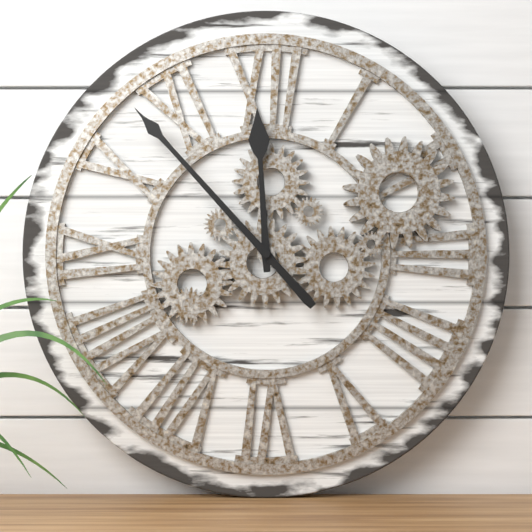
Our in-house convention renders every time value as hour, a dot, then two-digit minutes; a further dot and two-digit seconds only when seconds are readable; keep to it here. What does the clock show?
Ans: 11.53
